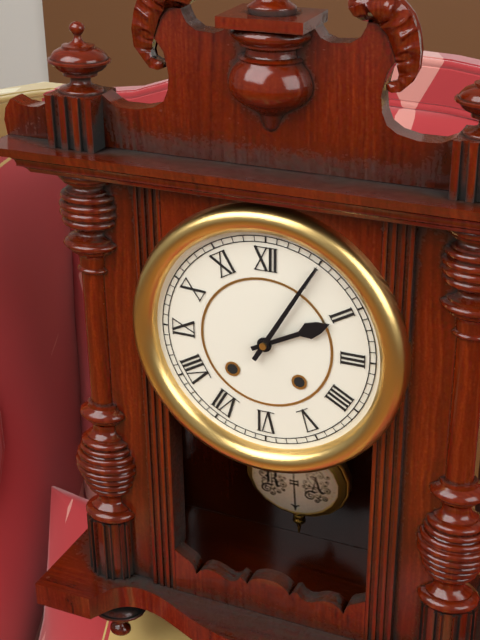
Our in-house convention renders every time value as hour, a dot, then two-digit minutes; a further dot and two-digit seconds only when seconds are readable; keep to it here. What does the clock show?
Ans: 2.05
